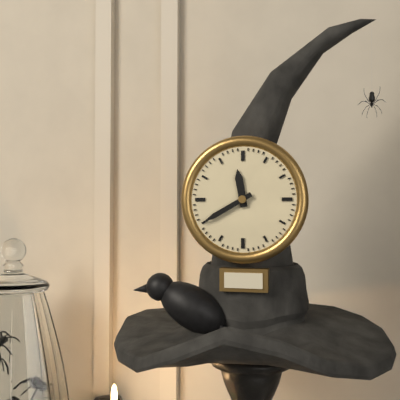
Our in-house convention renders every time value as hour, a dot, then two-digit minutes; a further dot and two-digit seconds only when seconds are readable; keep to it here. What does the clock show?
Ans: 11.40
